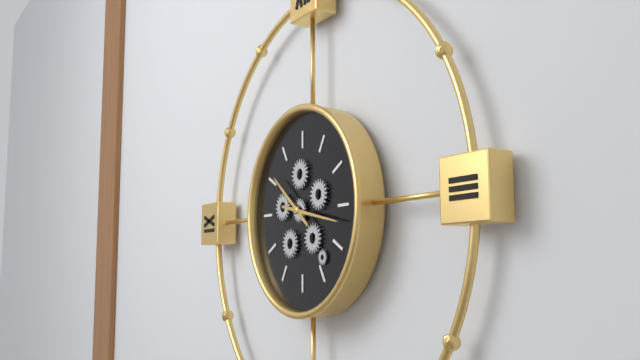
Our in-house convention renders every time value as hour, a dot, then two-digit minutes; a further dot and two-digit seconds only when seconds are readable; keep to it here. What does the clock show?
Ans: 10.17
